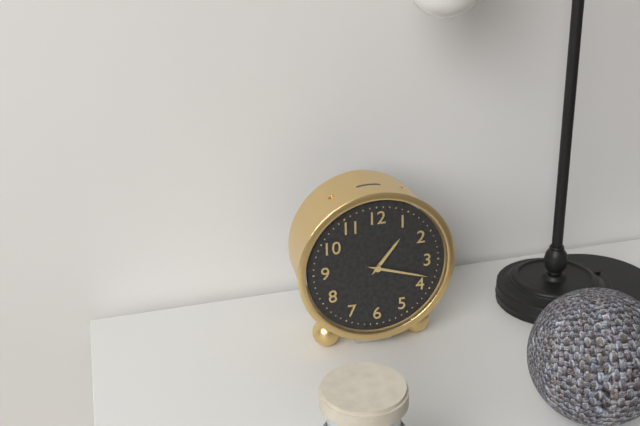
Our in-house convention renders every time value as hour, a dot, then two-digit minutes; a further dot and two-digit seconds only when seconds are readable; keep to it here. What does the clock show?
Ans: 1.18
